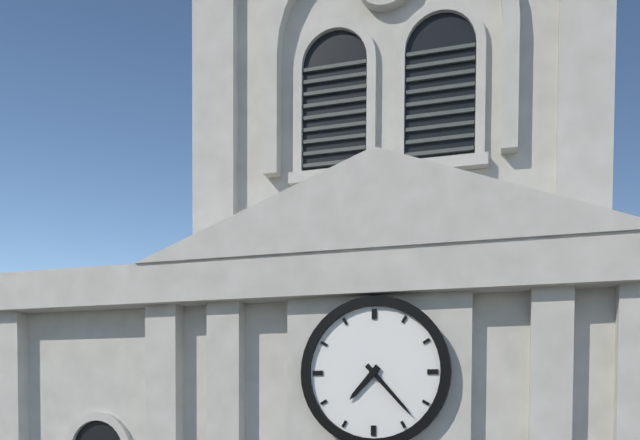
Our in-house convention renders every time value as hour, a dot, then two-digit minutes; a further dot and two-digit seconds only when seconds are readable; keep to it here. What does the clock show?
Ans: 7.23
